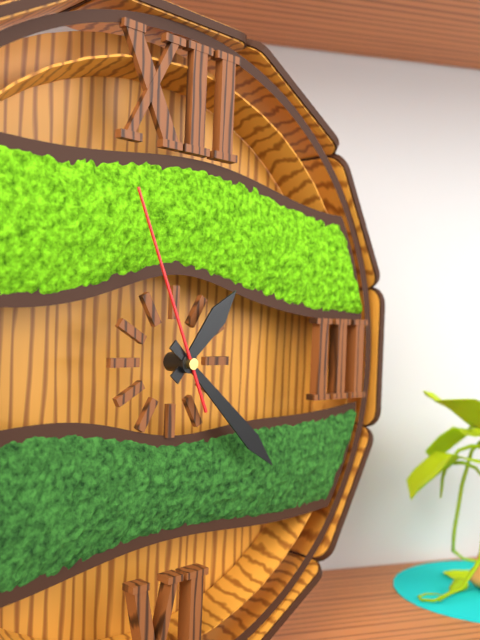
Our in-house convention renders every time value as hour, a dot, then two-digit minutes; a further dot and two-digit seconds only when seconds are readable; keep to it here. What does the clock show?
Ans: 1.22.56
